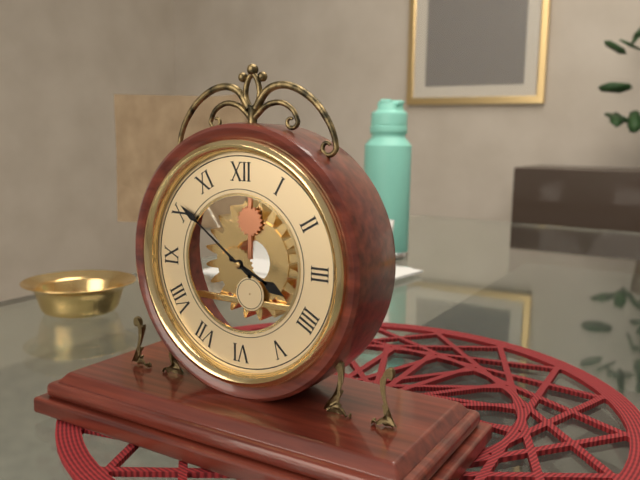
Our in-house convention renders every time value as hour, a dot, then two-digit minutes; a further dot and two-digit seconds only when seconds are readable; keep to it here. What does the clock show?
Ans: 3.51
